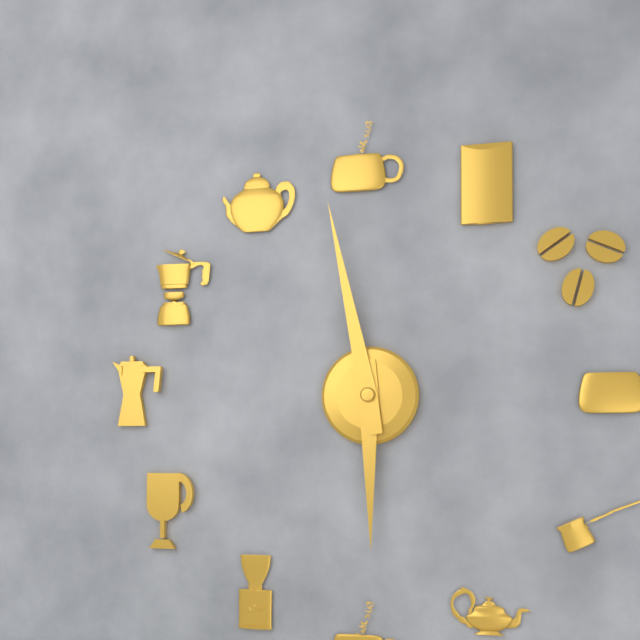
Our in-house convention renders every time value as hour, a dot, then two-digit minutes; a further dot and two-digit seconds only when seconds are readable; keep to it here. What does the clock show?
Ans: 5.58
